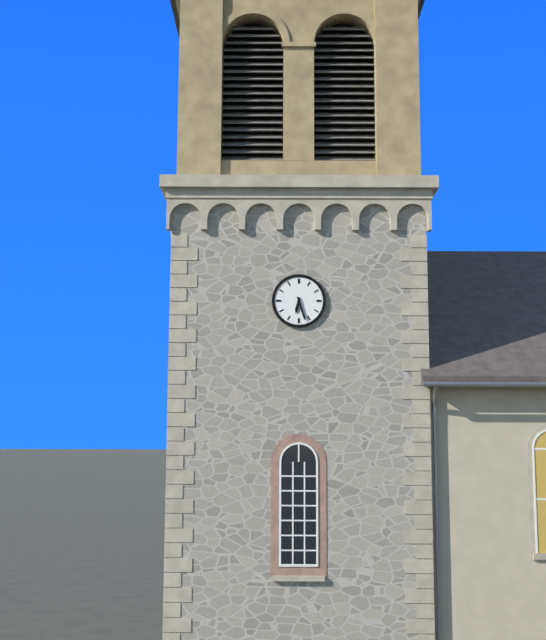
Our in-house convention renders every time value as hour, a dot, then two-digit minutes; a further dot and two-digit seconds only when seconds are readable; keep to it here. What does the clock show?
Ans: 6.27
